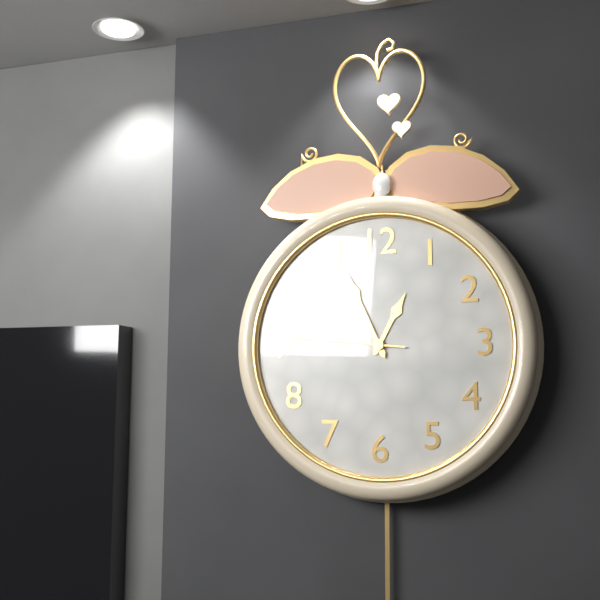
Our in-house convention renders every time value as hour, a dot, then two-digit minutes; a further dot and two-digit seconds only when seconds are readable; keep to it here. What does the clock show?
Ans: 12.56.46
